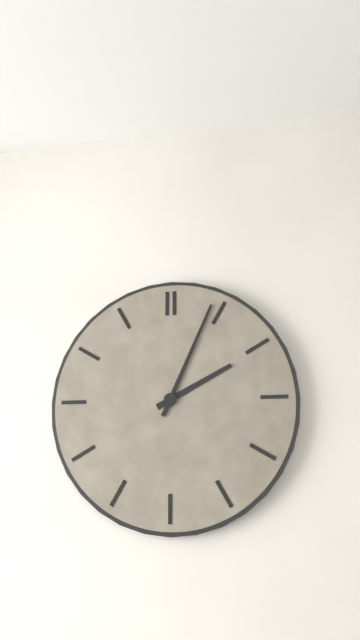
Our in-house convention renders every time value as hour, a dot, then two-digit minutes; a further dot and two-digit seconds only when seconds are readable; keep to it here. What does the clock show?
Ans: 2.04
